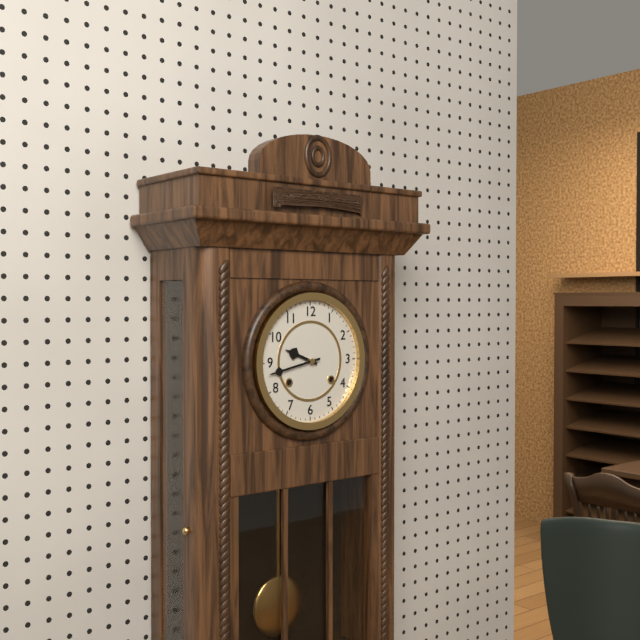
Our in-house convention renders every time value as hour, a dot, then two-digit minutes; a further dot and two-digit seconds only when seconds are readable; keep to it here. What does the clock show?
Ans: 9.43
